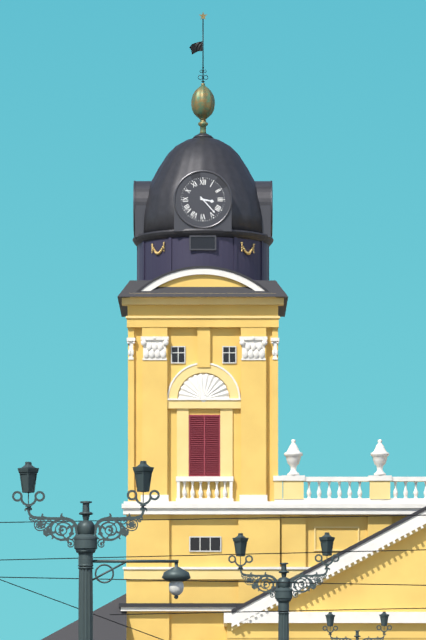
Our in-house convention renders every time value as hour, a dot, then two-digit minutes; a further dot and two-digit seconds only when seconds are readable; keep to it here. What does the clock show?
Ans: 3.23
